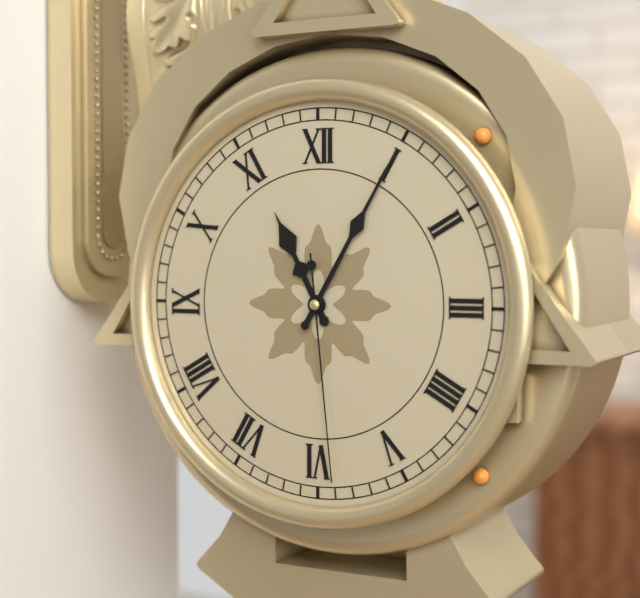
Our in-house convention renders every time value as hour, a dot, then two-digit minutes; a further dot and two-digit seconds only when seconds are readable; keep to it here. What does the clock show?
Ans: 11.05.29
